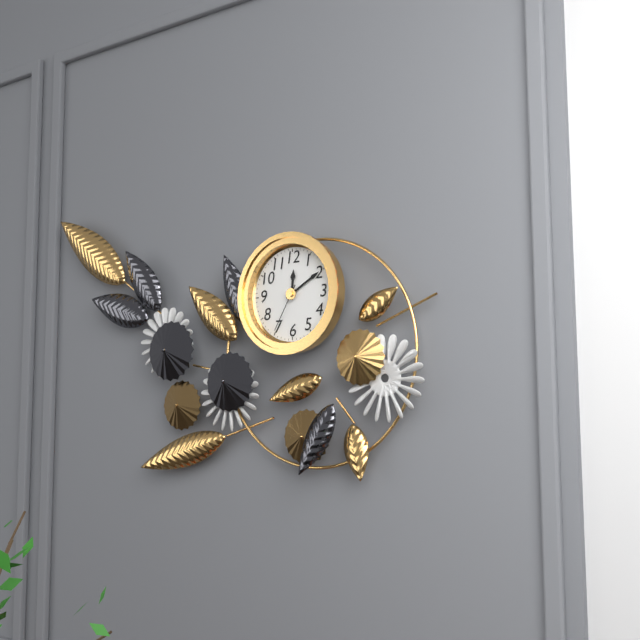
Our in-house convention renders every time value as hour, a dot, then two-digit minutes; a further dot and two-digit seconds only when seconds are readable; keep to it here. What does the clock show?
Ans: 12.10.35
